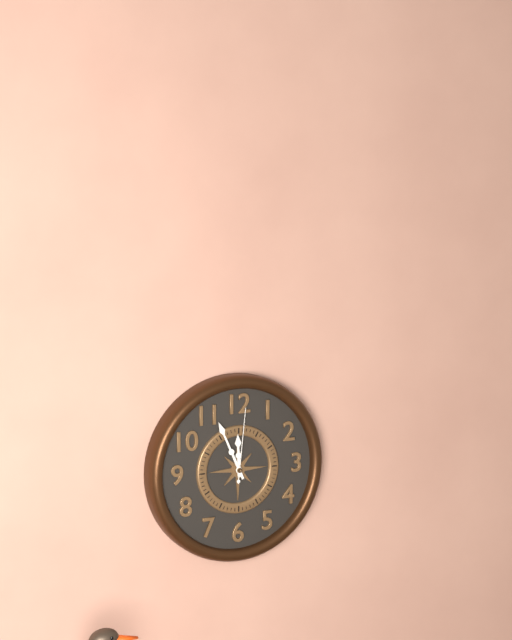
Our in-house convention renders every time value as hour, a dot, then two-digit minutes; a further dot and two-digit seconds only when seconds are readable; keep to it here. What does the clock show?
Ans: 11.56.01
